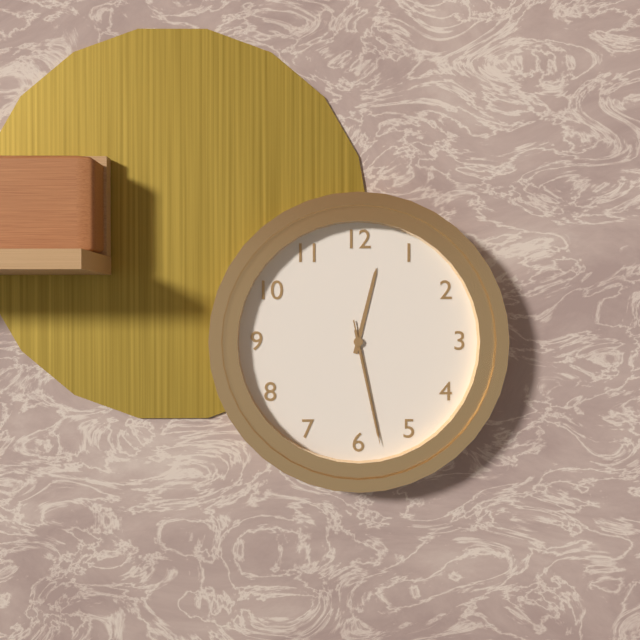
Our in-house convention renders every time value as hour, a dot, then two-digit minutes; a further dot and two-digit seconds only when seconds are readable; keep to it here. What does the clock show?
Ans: 12.28.28
